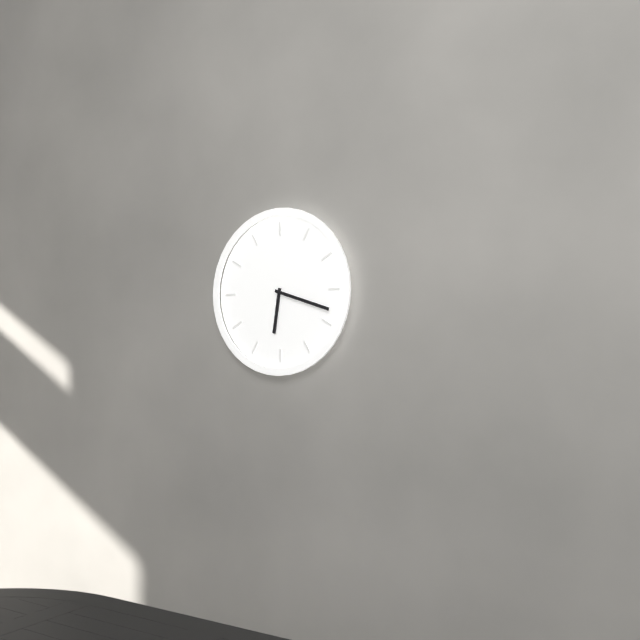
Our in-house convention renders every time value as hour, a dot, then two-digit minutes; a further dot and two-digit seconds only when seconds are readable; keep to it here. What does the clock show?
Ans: 6.18
